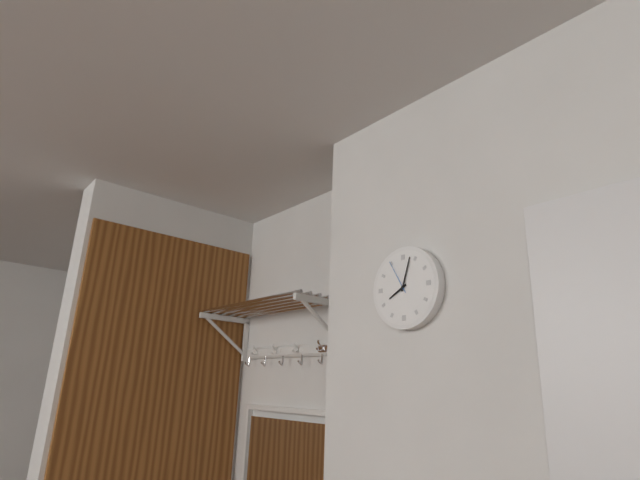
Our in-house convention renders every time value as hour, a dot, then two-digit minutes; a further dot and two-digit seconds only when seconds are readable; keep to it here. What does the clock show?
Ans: 8.03
